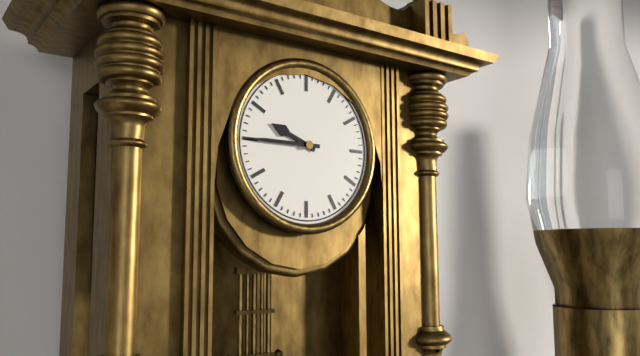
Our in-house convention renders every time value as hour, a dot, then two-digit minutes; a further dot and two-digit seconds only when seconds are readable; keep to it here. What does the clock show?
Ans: 9.45
